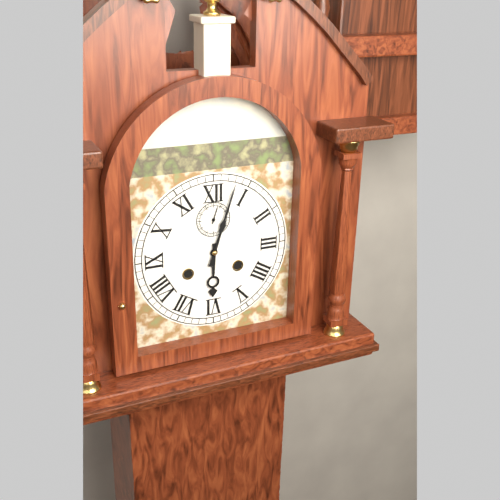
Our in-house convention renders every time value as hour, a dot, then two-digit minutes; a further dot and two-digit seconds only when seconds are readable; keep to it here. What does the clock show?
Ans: 6.03
